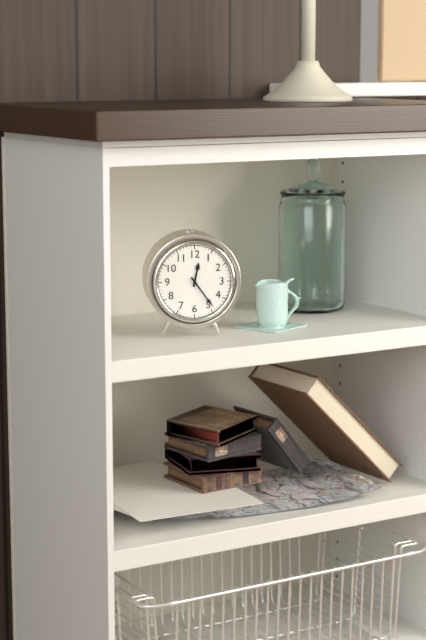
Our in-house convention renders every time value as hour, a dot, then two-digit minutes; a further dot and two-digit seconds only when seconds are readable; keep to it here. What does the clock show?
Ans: 12.24
